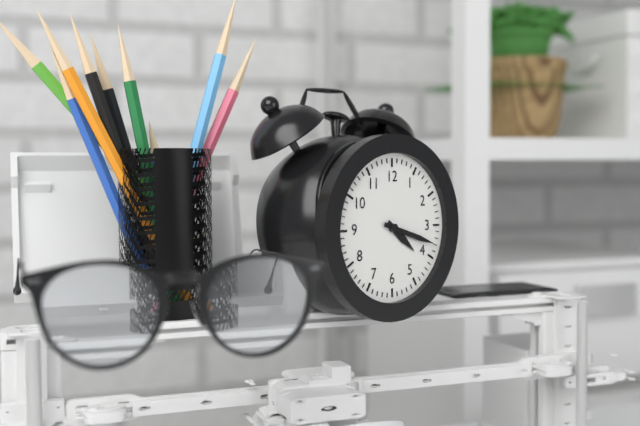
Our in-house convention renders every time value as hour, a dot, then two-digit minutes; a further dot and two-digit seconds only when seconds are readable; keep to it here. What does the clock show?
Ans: 4.18
